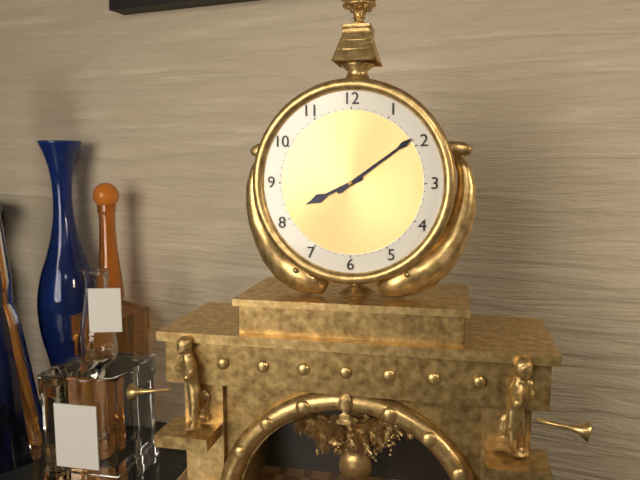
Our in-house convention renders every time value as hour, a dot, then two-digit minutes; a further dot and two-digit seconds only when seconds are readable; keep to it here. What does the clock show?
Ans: 8.09
